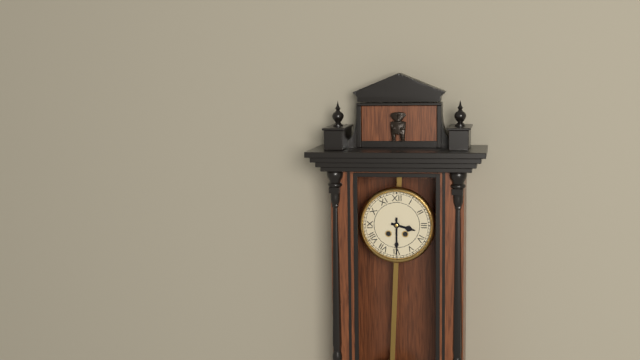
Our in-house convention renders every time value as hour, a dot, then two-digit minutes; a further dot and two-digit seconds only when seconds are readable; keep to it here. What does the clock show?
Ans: 3.30
